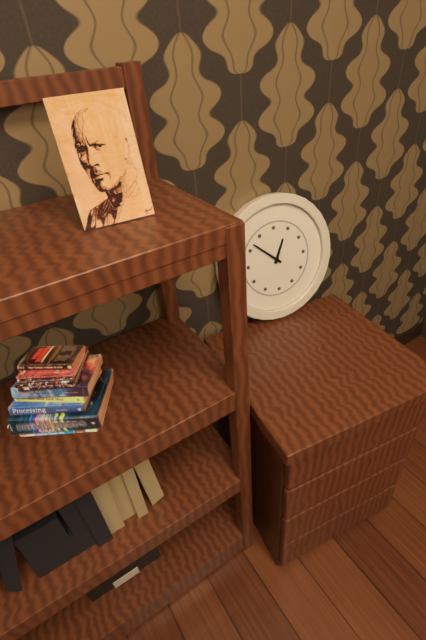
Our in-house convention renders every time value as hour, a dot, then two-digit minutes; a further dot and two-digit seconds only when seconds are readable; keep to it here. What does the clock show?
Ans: 12.52
